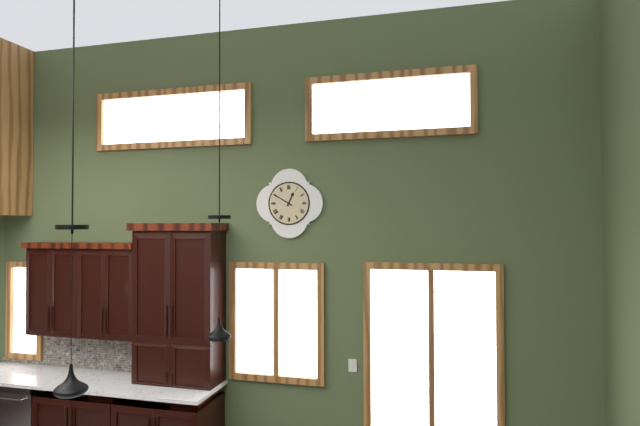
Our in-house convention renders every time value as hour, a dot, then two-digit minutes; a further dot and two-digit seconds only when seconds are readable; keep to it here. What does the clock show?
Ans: 12.50
